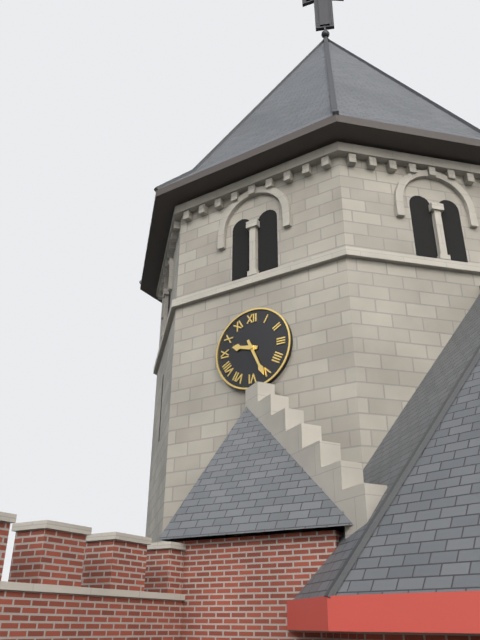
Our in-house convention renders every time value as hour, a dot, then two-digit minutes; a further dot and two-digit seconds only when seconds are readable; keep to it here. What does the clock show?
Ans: 9.26
